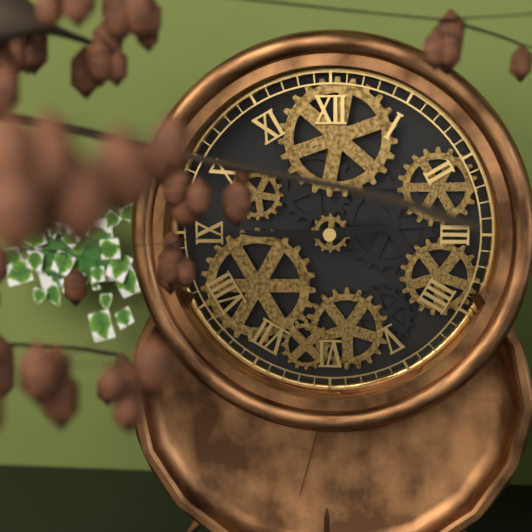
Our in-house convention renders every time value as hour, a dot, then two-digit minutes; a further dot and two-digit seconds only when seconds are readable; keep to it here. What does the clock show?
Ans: 2.45
